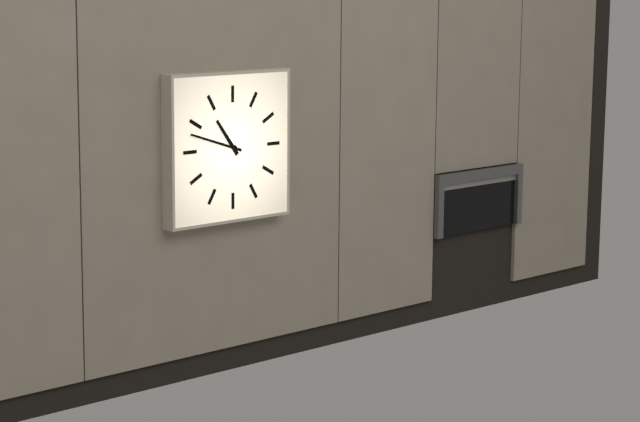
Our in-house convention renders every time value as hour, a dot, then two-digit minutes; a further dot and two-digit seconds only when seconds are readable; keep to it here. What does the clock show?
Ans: 10.48
